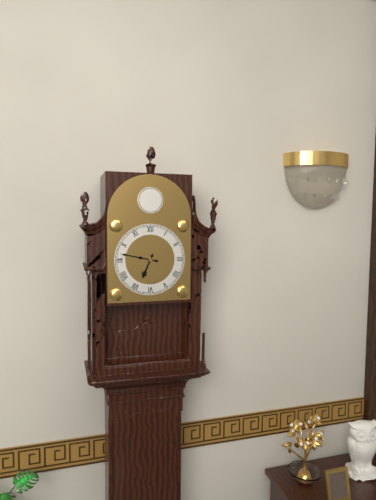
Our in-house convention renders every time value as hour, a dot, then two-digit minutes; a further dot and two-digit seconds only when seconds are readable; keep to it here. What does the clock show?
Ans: 6.47
